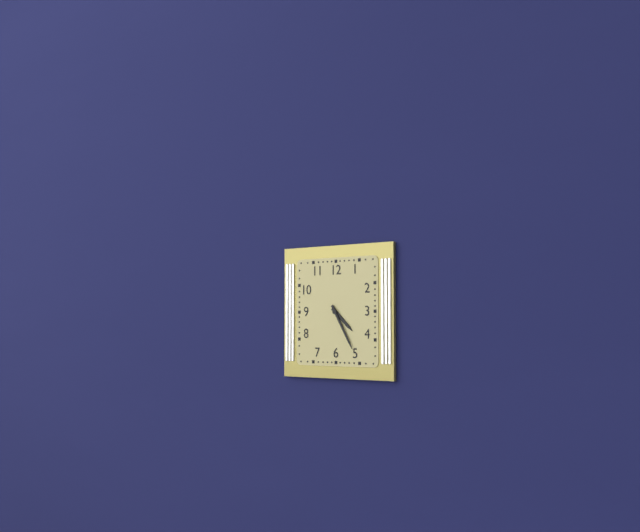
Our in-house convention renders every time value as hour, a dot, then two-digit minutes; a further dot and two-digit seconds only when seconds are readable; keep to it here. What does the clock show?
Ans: 4.25
